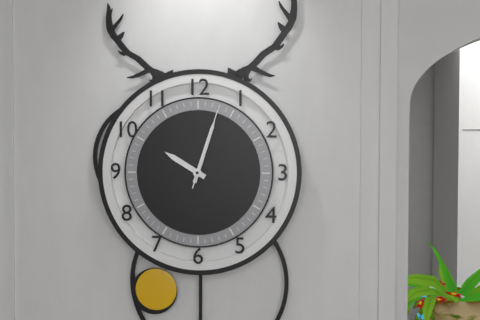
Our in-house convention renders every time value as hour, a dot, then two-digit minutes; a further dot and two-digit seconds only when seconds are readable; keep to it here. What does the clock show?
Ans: 10.03.03
